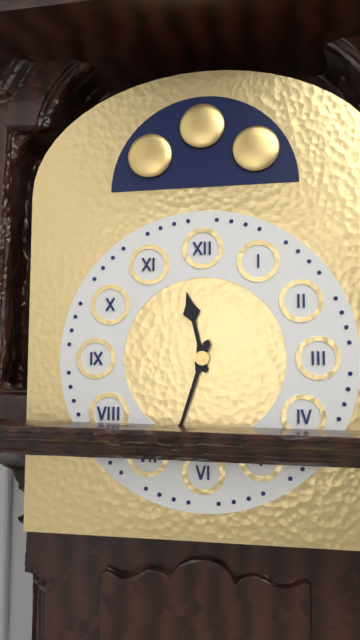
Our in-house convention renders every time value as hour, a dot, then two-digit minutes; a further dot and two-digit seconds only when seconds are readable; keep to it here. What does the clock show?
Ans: 11.33
